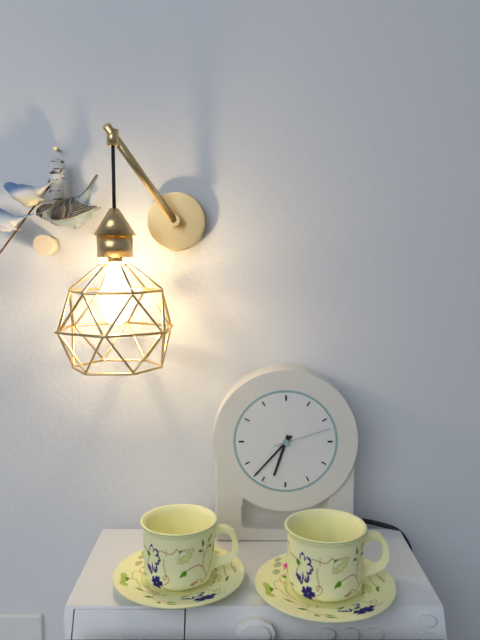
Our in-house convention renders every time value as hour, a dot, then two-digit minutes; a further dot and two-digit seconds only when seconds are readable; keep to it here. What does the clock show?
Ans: 6.37.12
